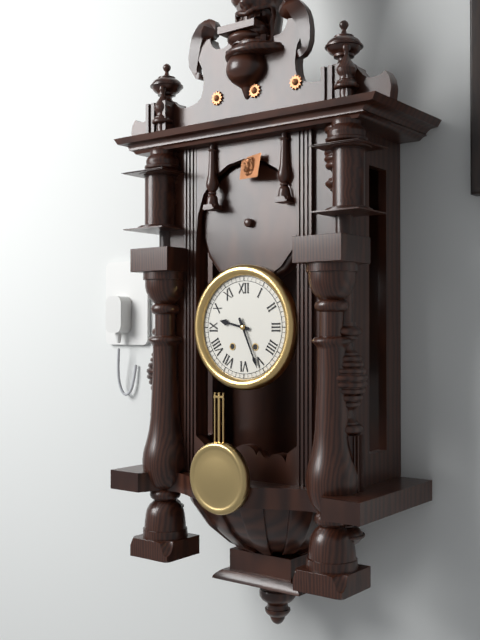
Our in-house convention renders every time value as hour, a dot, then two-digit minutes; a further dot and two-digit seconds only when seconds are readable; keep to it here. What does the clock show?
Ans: 9.26
